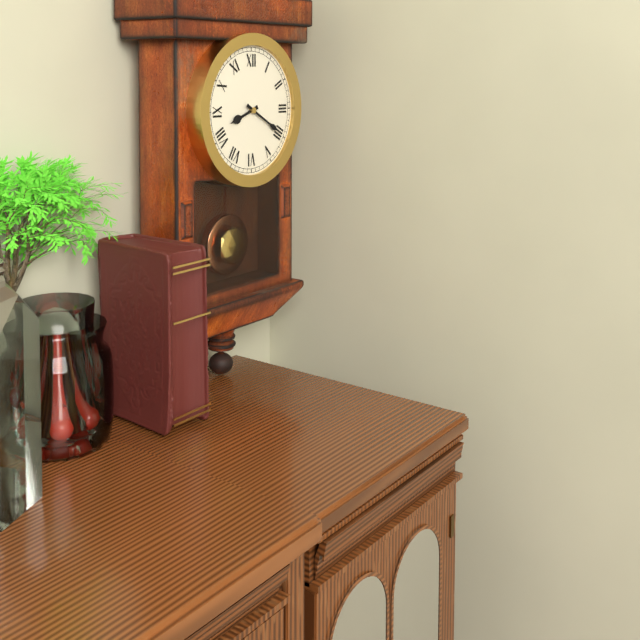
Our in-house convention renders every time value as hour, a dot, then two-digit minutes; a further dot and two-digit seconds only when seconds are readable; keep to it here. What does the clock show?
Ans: 8.20
